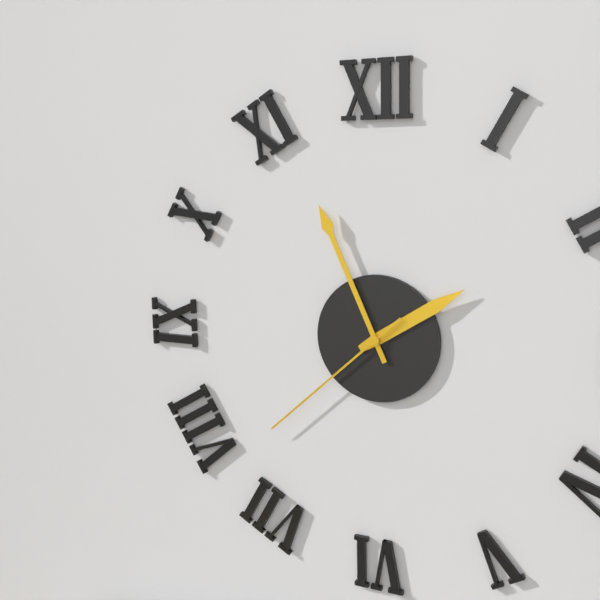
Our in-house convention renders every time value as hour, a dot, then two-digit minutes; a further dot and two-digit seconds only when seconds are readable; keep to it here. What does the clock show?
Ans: 1.56.38
